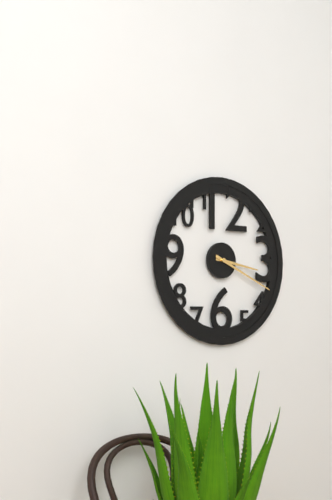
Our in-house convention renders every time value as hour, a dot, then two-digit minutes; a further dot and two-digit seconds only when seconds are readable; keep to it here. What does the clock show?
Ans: 3.19
